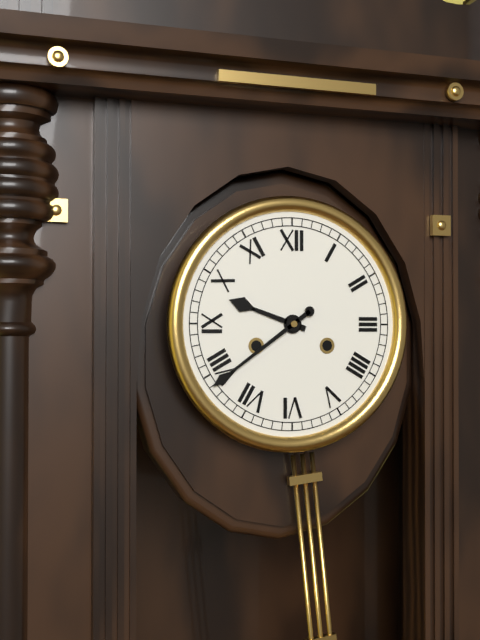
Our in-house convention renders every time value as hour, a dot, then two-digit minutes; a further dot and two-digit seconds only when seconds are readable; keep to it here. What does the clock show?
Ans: 9.39
